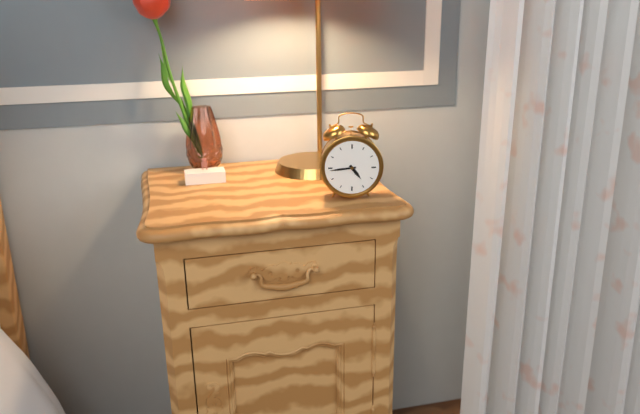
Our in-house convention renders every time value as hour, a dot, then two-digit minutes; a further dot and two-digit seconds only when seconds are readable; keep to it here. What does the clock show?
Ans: 4.44
